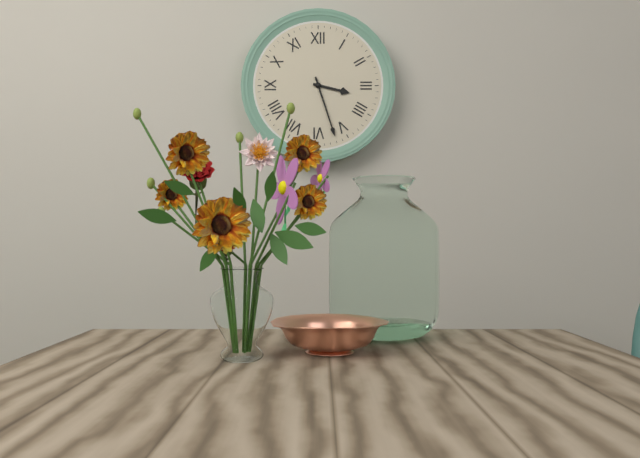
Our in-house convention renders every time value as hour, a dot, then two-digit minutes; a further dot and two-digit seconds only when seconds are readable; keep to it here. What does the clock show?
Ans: 3.27
